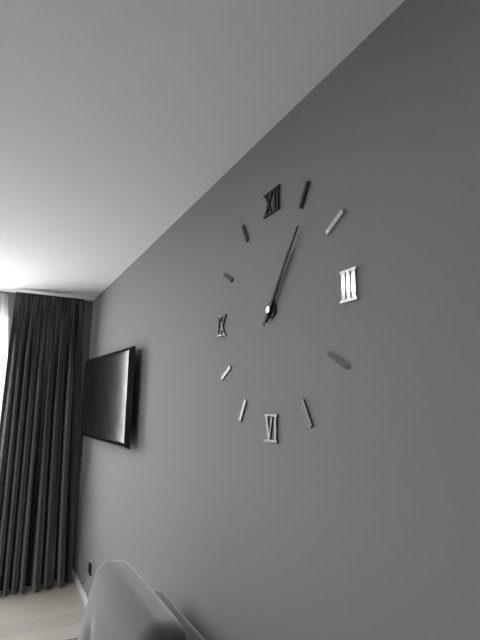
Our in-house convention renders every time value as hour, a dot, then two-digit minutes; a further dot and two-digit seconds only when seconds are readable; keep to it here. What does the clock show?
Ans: 1.06
